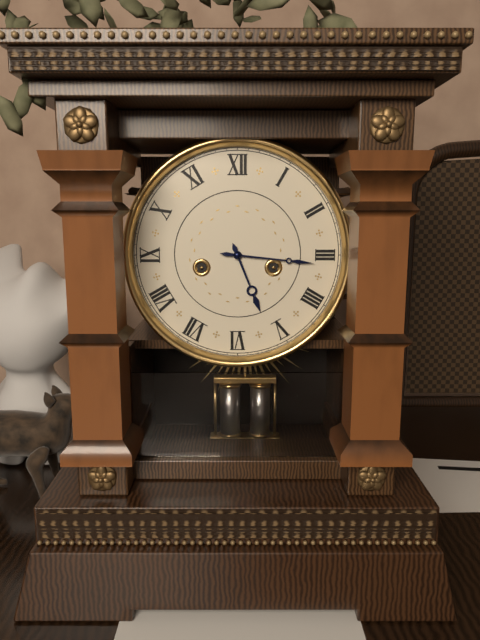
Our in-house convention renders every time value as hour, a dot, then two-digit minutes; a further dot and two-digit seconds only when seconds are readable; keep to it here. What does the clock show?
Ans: 5.16
